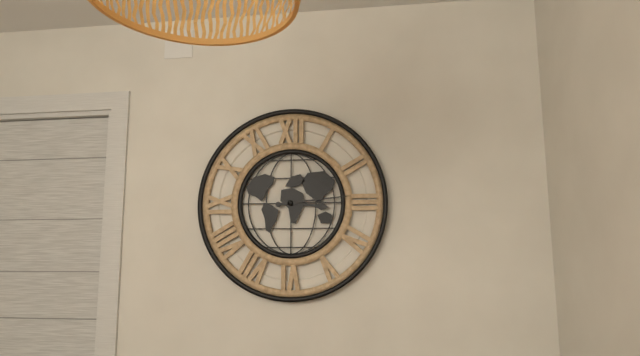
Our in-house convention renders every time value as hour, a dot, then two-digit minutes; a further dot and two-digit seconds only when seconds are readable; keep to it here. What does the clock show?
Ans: 3.14
